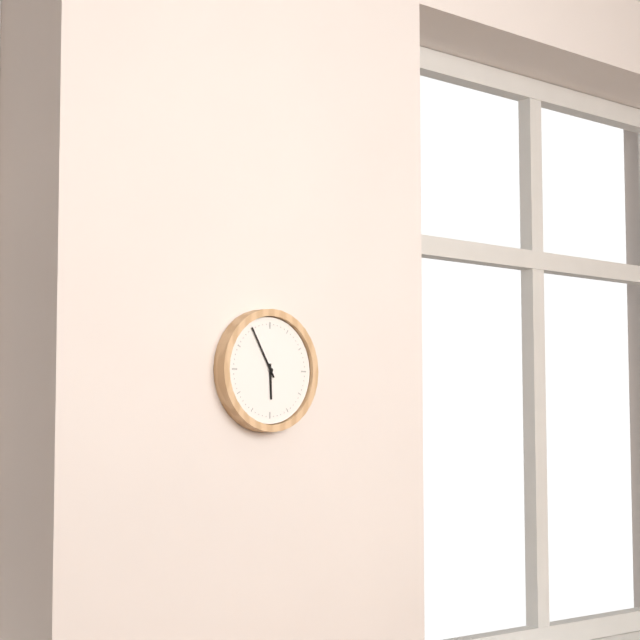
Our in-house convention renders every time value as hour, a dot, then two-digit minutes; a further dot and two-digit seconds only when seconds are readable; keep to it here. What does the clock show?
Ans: 5.55
